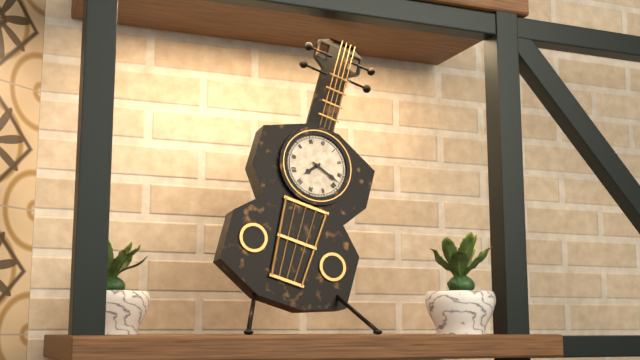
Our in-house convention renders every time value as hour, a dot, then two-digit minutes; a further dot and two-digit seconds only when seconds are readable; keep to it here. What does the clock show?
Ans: 7.18
